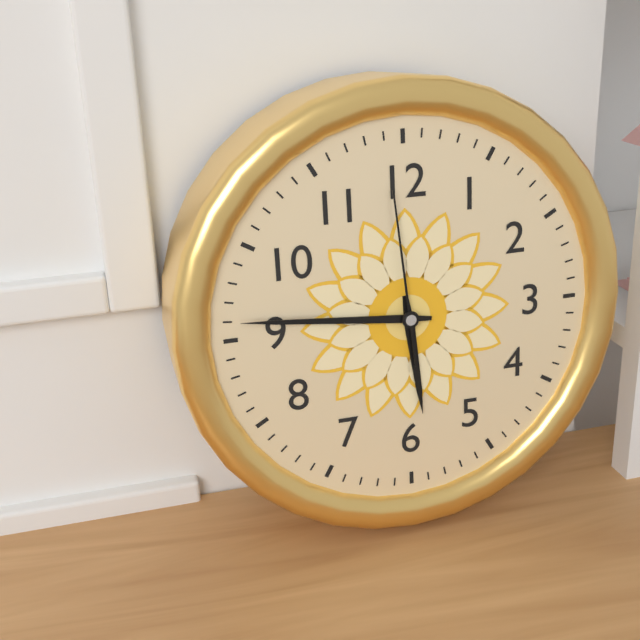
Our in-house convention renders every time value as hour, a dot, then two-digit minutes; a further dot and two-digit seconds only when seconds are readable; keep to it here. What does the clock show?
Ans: 5.46.59
